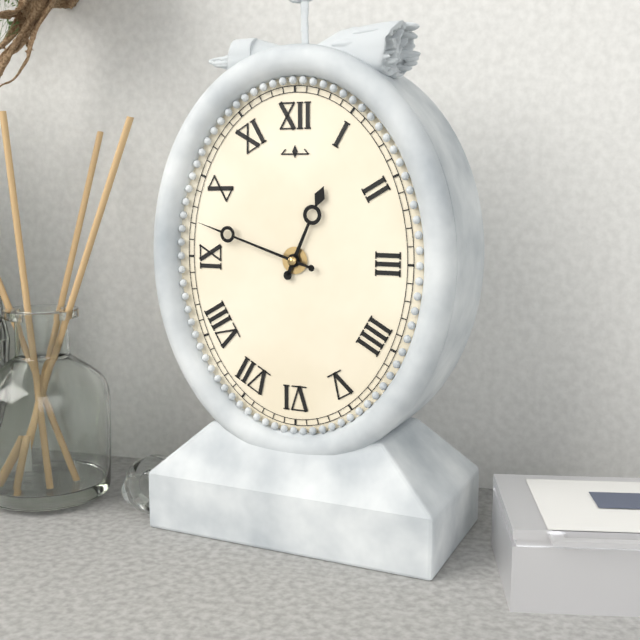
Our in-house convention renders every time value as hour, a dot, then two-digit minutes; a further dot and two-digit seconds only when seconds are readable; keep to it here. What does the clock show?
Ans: 12.48
